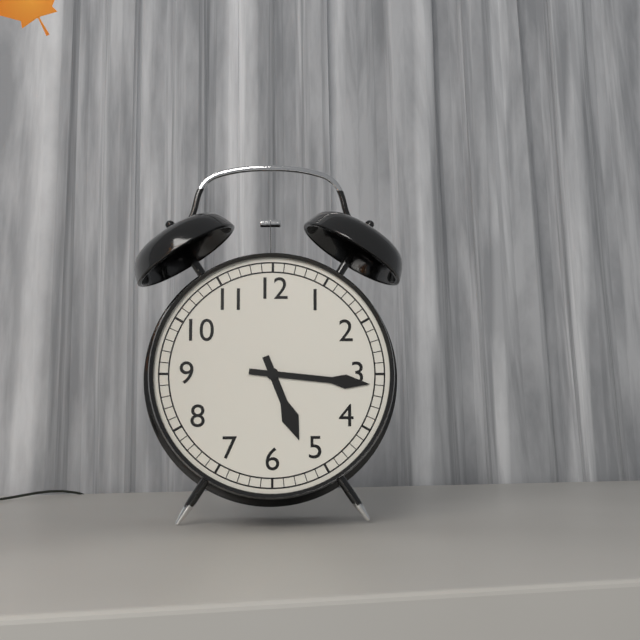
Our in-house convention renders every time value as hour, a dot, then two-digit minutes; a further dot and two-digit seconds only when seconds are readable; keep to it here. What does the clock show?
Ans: 5.16
